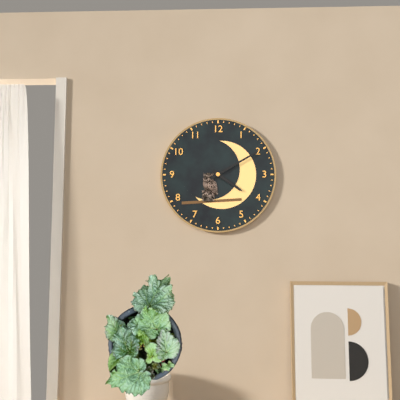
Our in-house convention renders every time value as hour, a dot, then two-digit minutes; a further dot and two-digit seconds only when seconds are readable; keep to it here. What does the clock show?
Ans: 4.10
